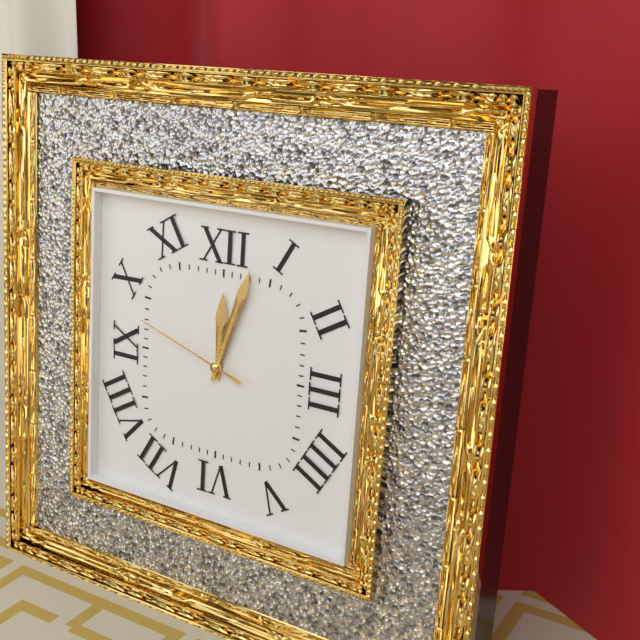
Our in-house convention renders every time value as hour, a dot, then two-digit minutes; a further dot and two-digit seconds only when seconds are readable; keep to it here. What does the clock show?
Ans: 12.03.48
